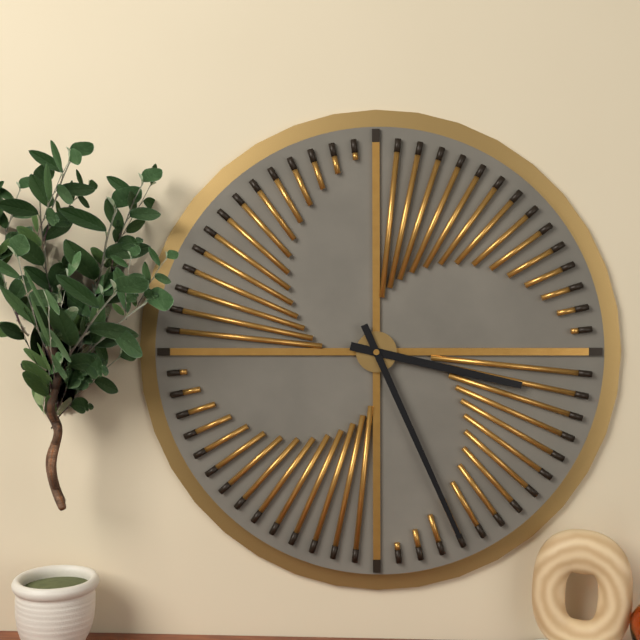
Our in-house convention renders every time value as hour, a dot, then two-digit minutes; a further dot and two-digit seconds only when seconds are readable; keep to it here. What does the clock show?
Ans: 3.26
